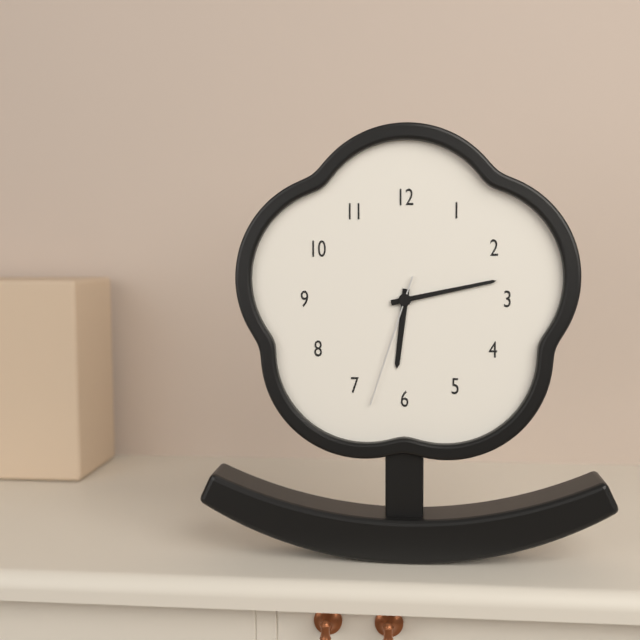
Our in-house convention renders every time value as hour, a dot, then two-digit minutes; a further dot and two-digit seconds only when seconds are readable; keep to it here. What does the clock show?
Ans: 6.13.33
